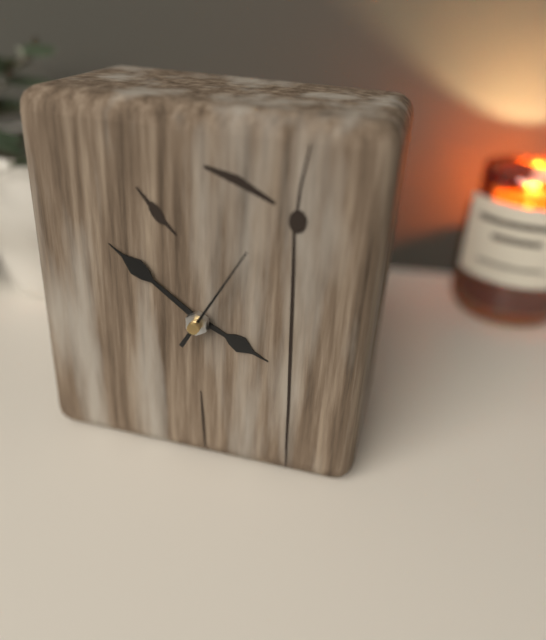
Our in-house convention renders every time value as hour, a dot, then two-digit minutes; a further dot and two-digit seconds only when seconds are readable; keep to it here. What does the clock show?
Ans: 3.51.05
